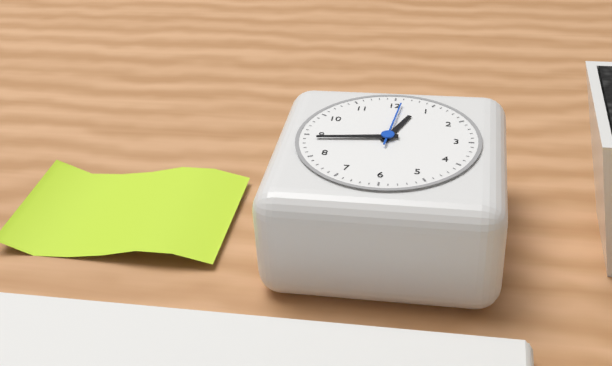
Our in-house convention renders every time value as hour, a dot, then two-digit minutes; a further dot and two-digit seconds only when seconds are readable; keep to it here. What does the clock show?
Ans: 12.44
